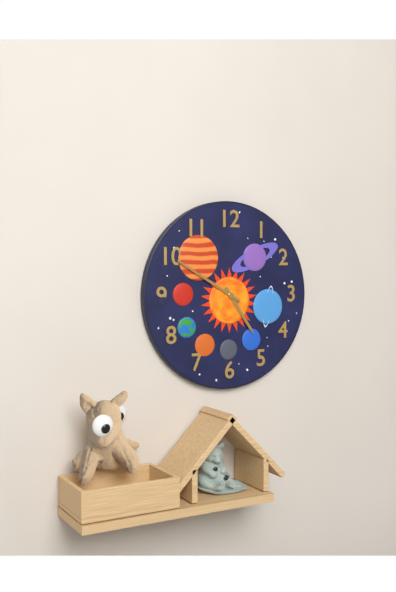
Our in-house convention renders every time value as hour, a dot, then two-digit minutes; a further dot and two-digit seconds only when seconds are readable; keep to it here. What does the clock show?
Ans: 4.50
